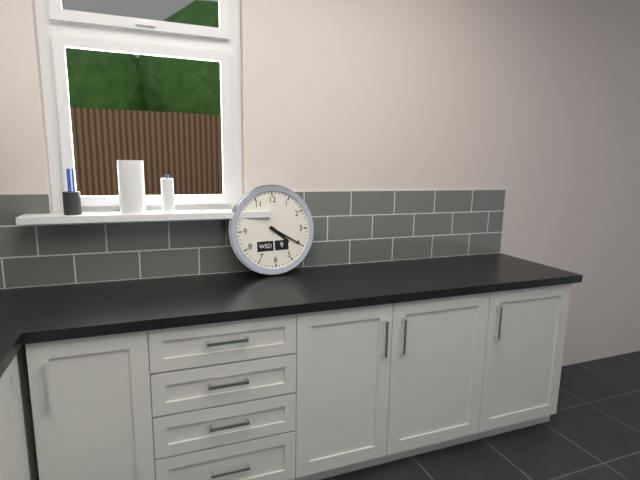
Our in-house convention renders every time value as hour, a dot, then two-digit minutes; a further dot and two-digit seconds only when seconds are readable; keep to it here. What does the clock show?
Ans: 4.20
